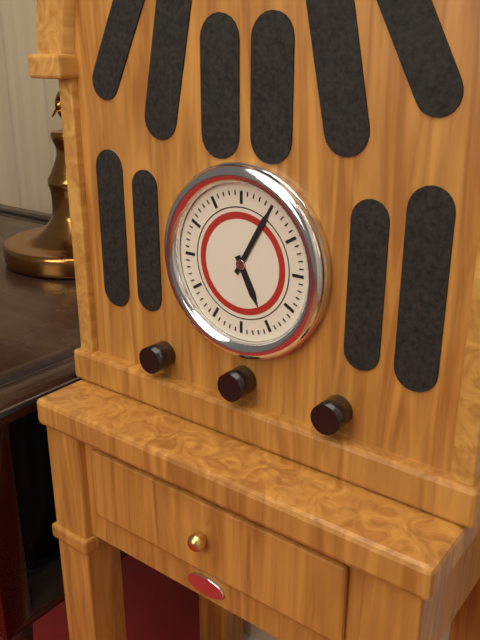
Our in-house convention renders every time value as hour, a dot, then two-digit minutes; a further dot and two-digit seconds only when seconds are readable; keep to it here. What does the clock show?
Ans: 5.05
